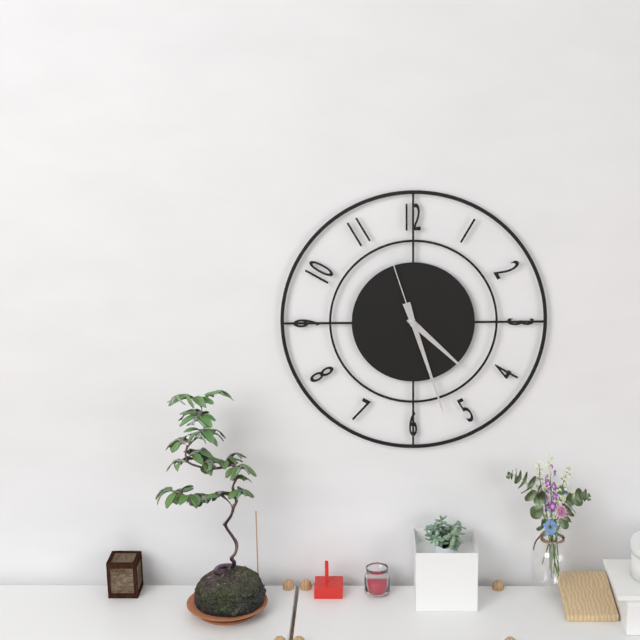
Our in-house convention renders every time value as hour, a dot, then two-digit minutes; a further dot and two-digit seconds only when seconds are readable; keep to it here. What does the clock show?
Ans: 4.27.57
